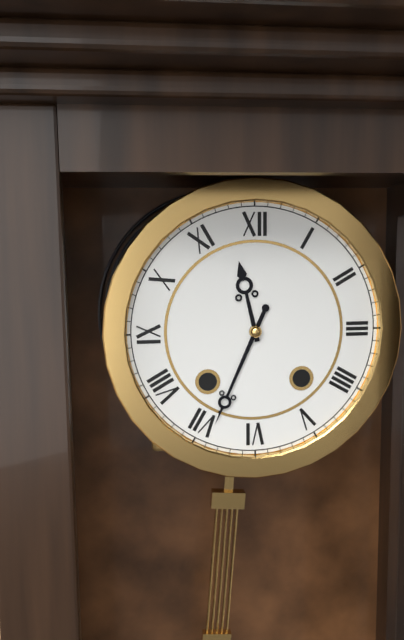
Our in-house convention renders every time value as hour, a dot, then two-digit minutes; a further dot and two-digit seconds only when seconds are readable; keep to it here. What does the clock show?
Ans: 11.34
